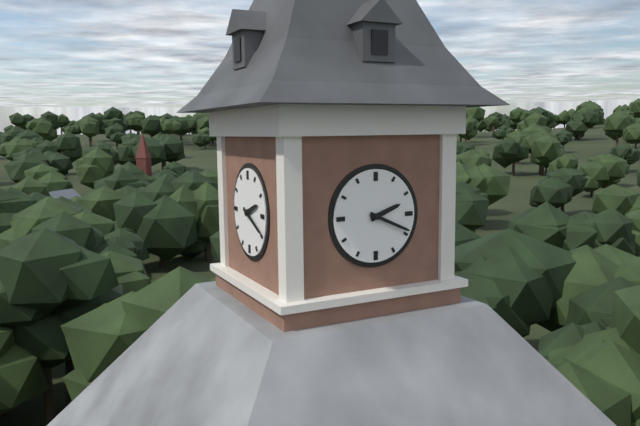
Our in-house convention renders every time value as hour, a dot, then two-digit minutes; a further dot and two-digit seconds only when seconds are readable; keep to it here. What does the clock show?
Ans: 2.19
